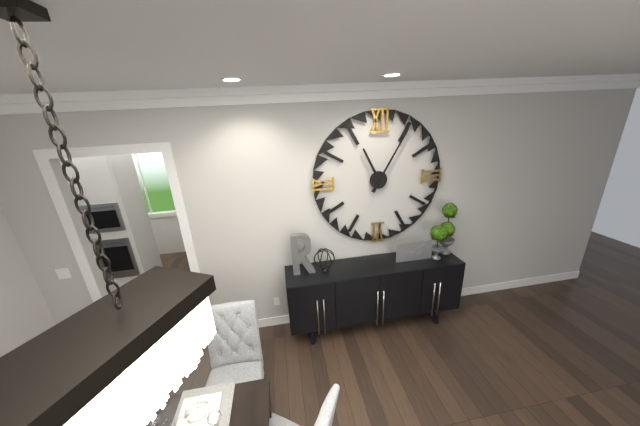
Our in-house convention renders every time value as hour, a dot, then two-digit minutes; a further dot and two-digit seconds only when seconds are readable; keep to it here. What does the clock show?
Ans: 11.05
